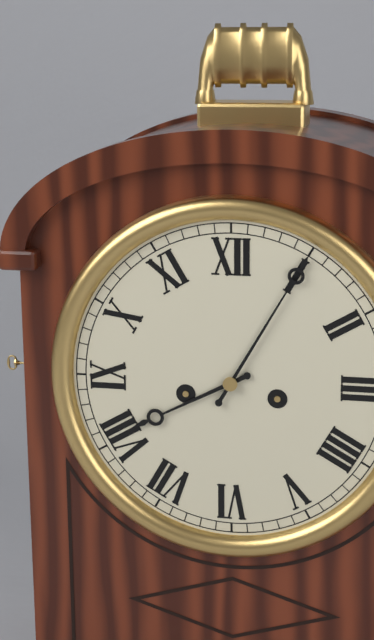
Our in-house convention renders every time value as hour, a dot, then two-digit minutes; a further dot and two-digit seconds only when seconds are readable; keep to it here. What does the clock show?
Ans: 8.05
